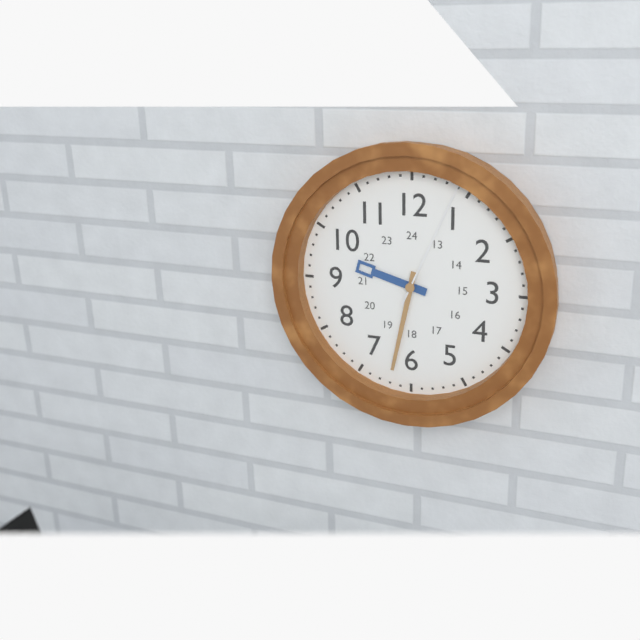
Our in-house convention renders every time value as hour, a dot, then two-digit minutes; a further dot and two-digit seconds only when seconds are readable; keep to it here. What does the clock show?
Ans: 9.32.04
